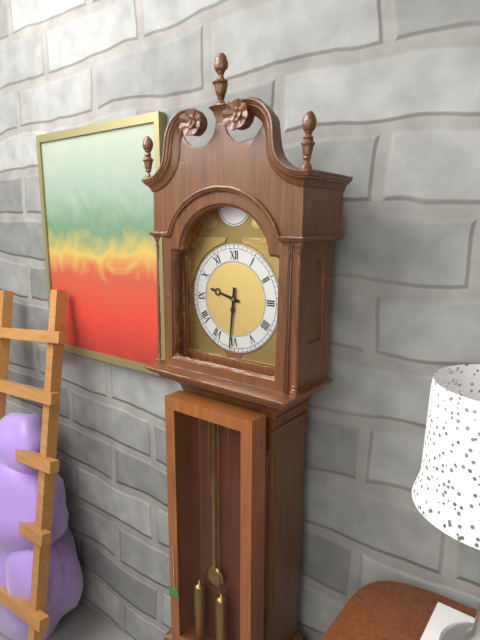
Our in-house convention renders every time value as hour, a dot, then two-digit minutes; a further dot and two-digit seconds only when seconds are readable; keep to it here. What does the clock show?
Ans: 9.31
